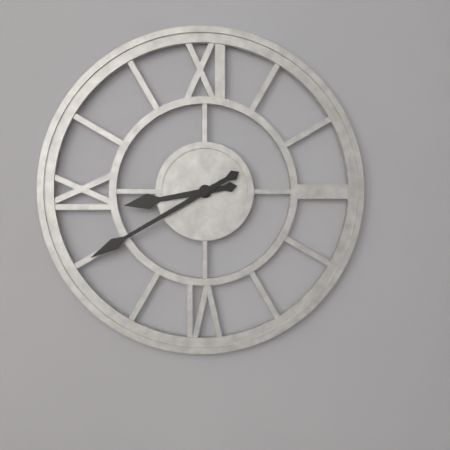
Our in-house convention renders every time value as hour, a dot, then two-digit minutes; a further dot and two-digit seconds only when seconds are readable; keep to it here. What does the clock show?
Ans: 8.40
